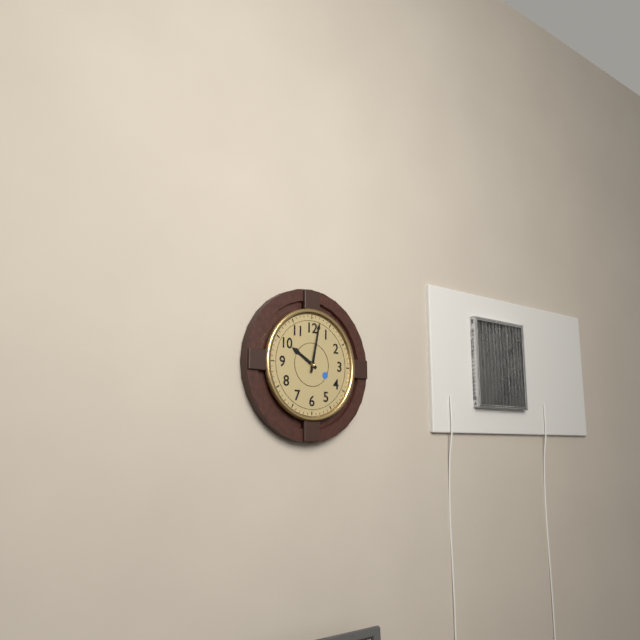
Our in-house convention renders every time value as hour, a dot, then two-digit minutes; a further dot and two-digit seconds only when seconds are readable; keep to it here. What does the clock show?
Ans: 10.02
